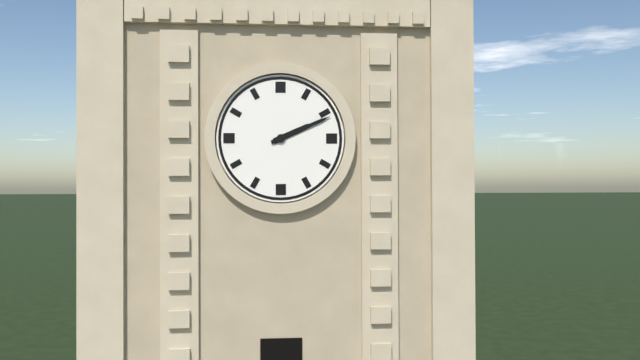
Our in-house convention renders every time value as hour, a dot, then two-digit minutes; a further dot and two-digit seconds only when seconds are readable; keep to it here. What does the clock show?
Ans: 2.11
